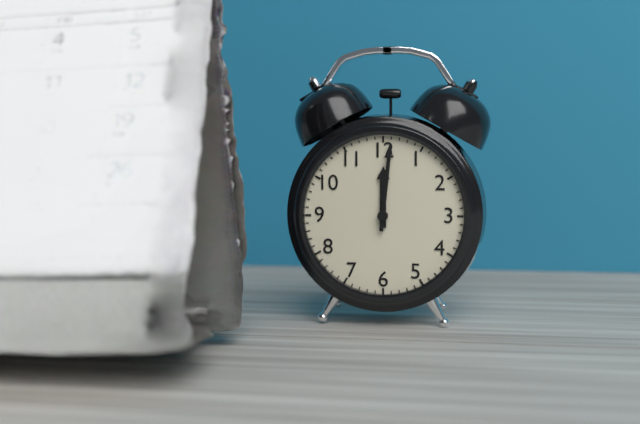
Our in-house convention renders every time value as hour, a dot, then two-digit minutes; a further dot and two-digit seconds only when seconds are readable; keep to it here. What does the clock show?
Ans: 12.01
